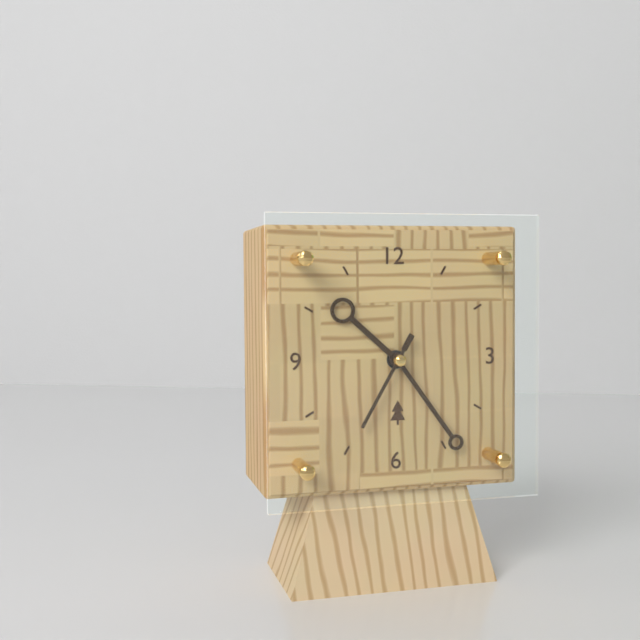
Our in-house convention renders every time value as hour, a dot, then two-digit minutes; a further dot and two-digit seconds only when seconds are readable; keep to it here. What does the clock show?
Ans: 10.24.35
